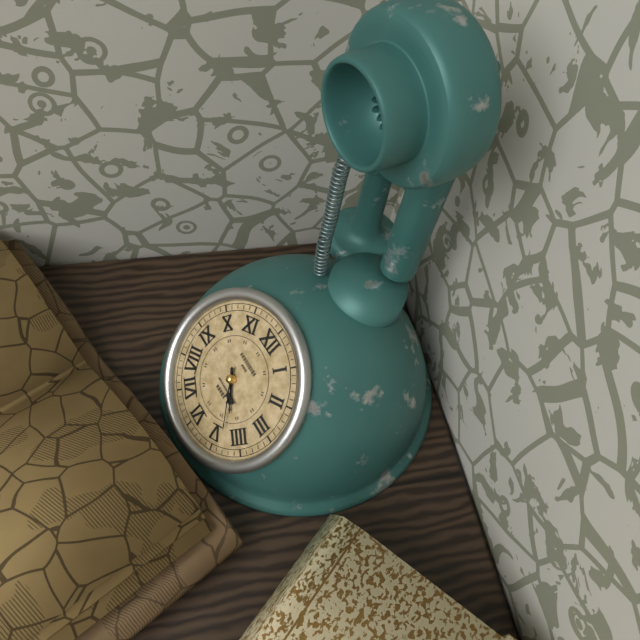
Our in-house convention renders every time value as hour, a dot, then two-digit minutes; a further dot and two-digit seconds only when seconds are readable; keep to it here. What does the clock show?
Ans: 4.23
